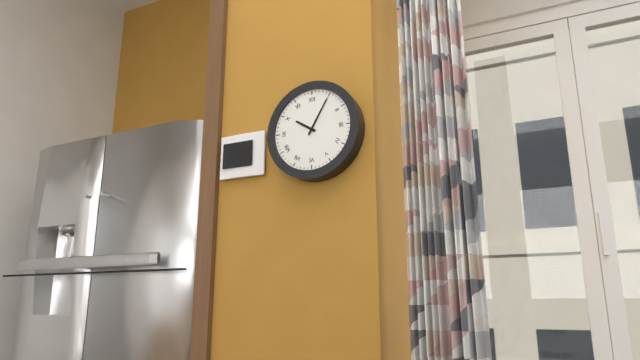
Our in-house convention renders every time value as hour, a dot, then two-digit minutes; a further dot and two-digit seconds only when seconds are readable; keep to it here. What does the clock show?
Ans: 10.05
